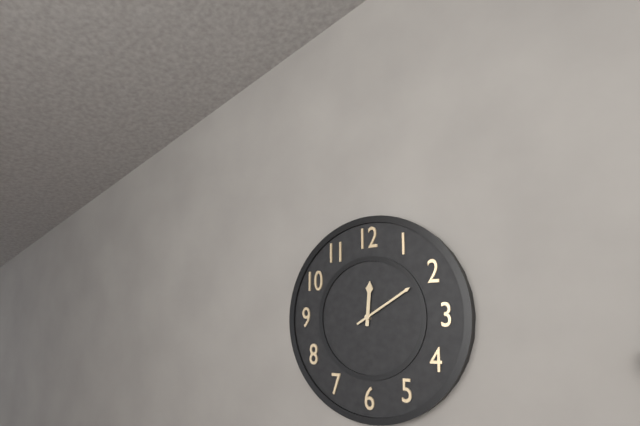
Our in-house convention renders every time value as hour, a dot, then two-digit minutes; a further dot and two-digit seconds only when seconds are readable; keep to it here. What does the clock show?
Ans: 12.10
